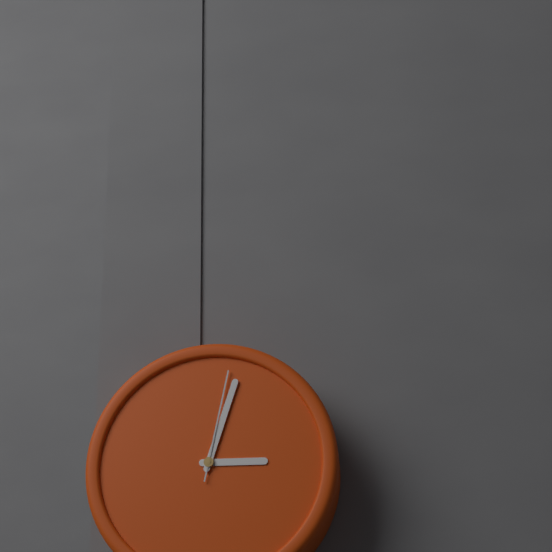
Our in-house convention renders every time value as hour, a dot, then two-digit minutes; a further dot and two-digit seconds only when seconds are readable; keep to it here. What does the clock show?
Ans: 3.03.02
